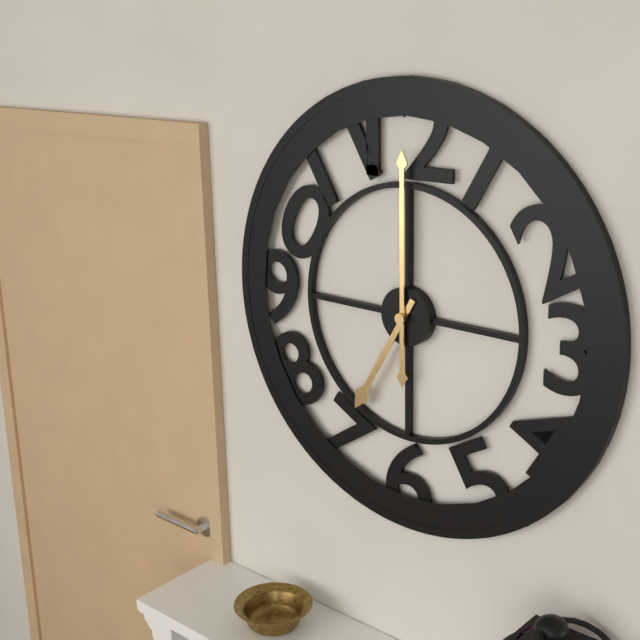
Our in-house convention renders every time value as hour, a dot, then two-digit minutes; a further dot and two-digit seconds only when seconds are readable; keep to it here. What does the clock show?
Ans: 7.00
